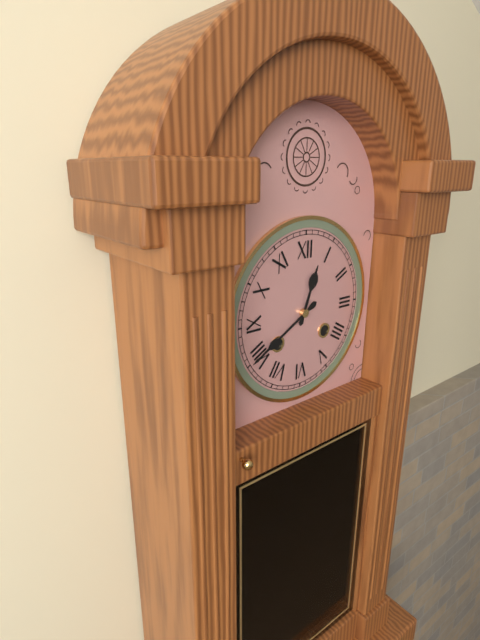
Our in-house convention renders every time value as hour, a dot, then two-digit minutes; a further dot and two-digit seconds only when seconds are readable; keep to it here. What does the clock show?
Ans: 12.40
